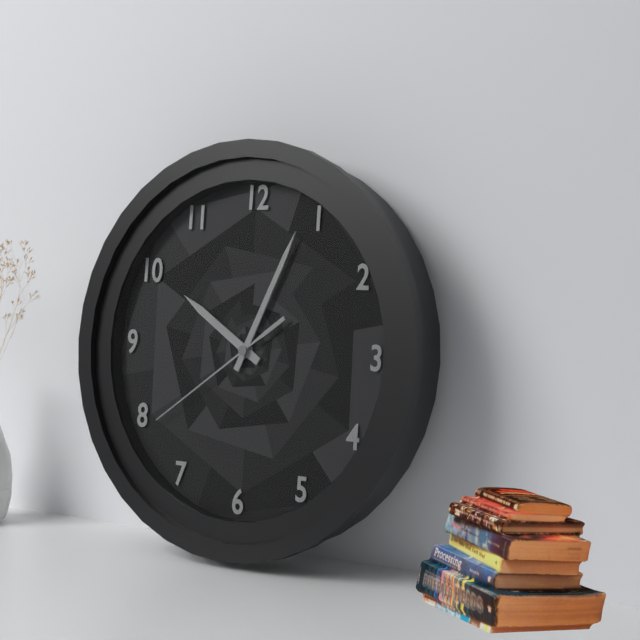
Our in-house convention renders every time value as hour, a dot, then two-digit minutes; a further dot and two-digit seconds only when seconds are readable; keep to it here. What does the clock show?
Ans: 10.04.39
